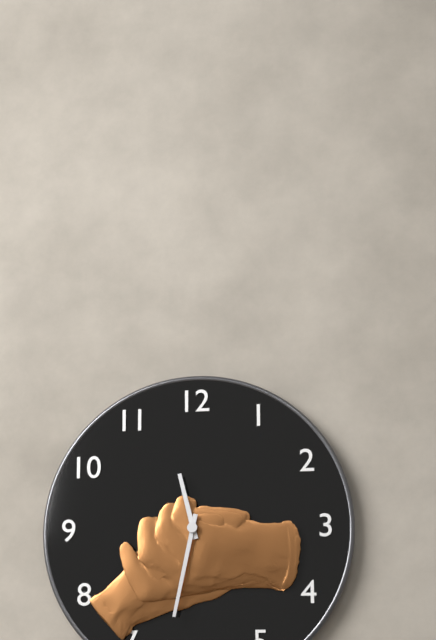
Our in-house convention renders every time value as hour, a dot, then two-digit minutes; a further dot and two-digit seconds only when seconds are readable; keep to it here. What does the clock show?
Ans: 11.32
